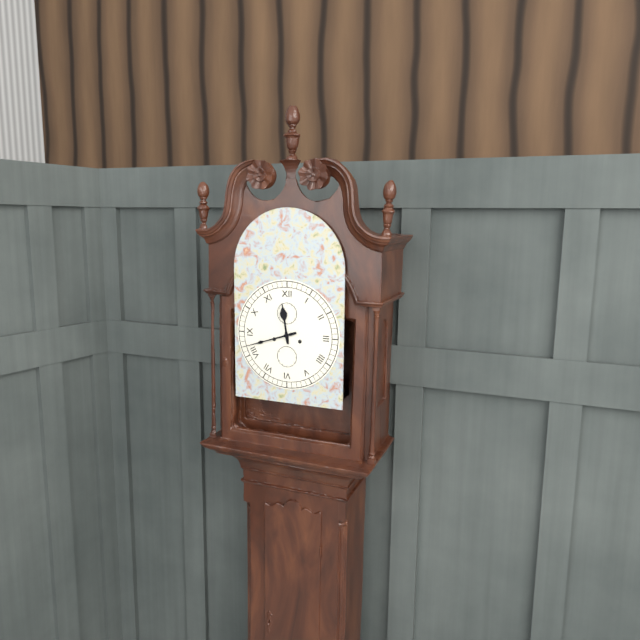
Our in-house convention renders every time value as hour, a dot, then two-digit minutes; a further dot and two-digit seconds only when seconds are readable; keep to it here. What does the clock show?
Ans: 11.42
